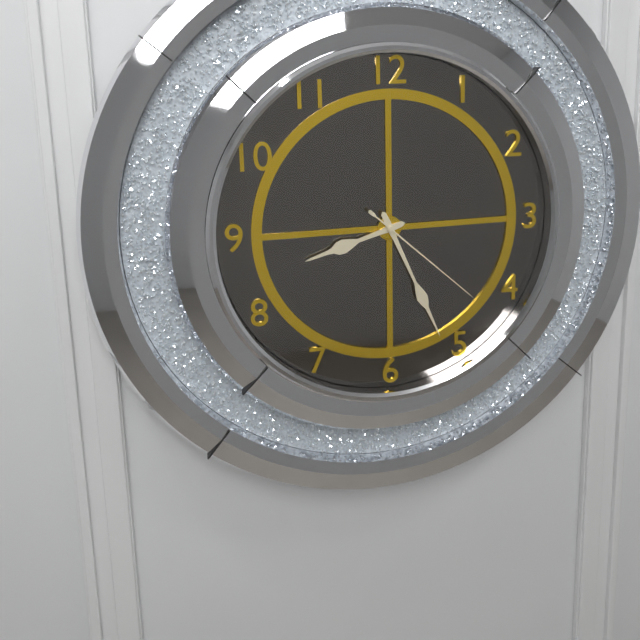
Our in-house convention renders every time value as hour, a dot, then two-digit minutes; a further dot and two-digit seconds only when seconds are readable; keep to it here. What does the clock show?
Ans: 8.26.22
